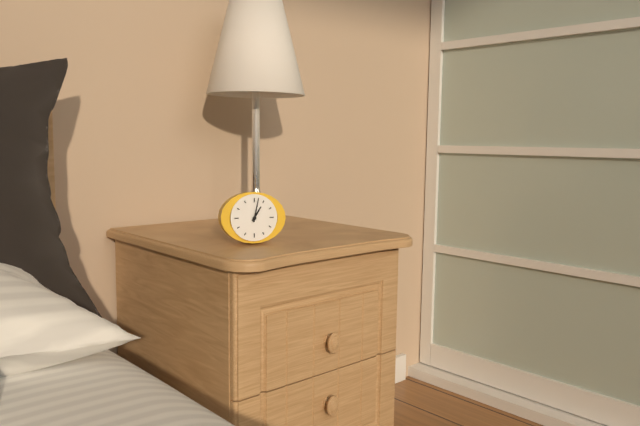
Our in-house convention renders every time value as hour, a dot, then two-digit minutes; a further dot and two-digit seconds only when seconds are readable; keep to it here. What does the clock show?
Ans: 1.02
